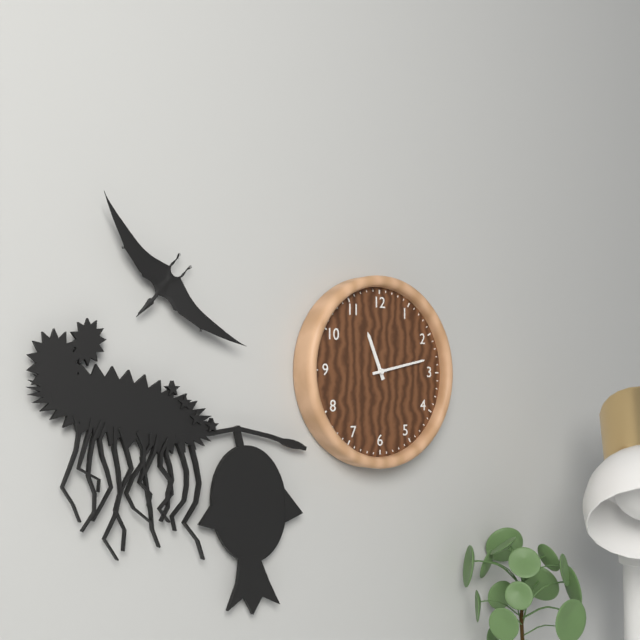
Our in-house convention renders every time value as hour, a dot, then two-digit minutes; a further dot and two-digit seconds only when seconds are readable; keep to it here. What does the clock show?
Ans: 11.13
